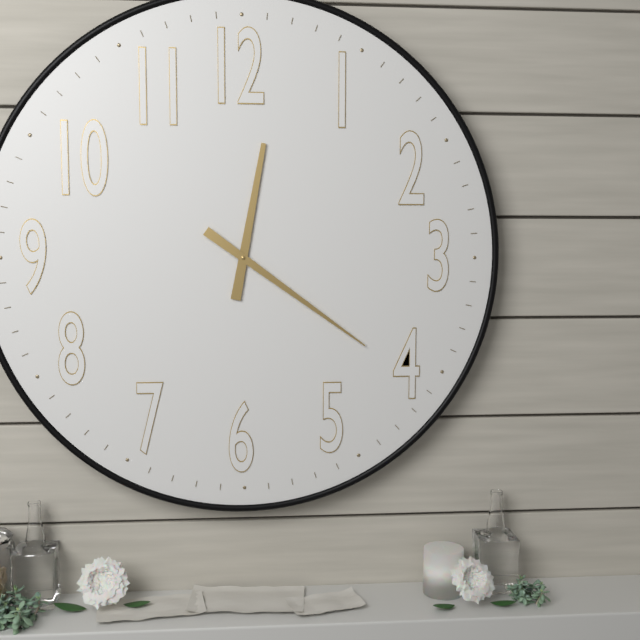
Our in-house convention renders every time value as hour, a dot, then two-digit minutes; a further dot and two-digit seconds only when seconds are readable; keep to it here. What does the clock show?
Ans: 12.21
